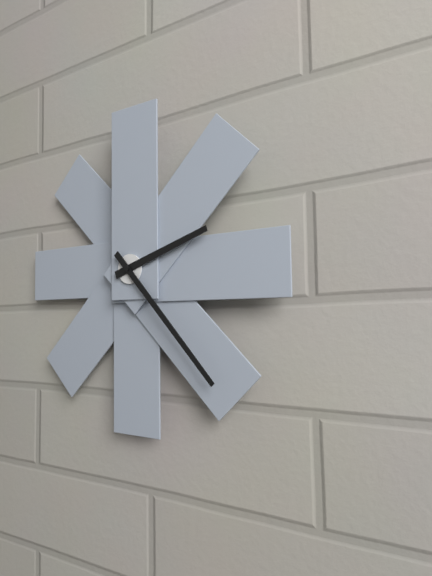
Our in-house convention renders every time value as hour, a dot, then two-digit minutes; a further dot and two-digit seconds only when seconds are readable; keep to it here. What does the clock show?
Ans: 2.23
